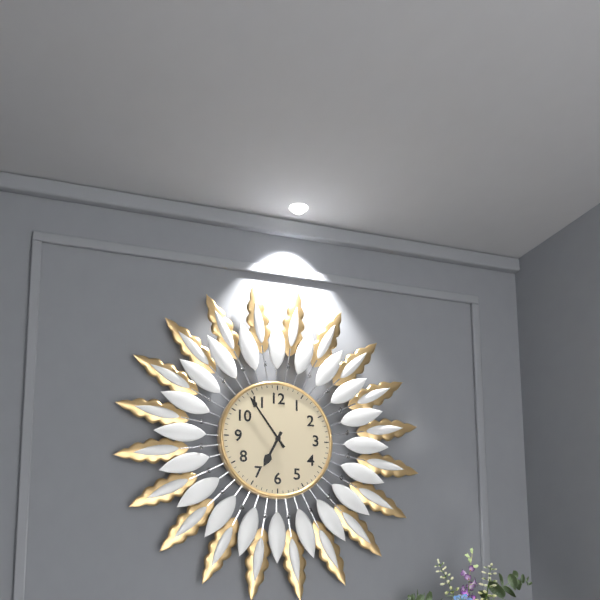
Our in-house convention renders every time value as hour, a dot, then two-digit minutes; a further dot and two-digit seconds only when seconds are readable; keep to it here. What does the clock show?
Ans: 6.54
